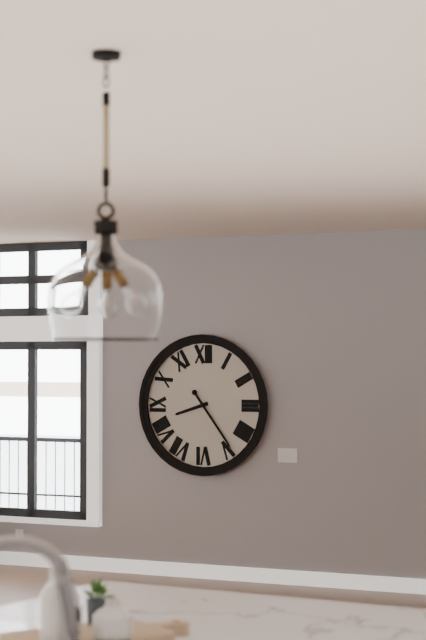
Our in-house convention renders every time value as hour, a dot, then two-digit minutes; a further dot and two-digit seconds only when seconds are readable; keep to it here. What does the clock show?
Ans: 8.24
